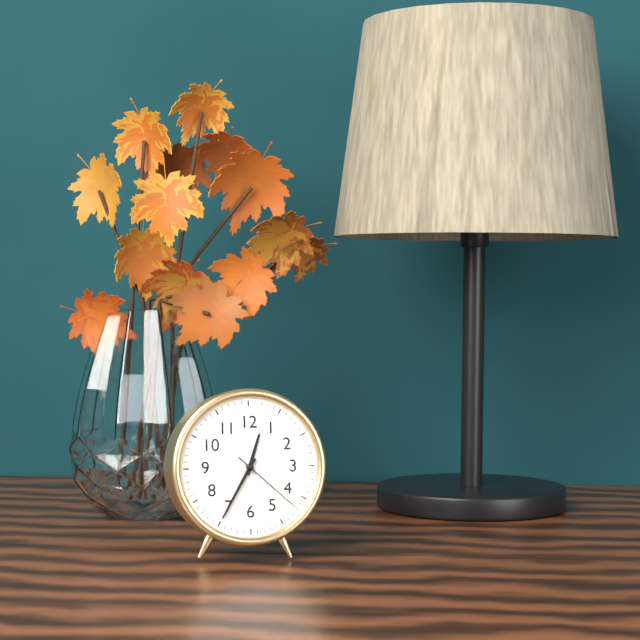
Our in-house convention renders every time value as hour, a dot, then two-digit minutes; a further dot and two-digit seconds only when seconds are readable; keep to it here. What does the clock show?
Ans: 12.35.22
